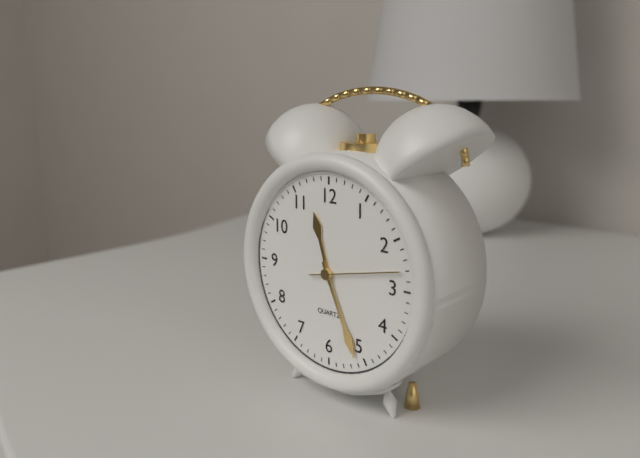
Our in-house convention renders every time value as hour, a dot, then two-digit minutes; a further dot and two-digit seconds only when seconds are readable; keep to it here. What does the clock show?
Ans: 11.26.13
